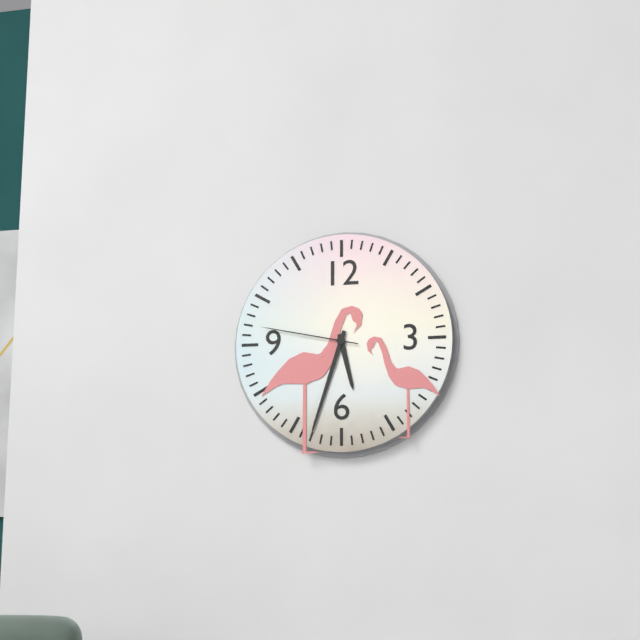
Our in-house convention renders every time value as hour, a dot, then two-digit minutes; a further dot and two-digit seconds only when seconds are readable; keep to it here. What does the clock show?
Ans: 5.33.47
